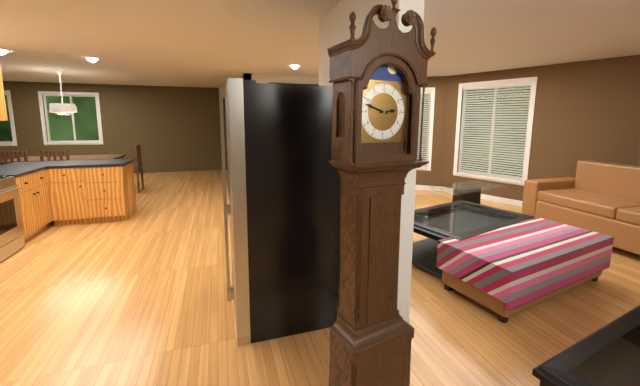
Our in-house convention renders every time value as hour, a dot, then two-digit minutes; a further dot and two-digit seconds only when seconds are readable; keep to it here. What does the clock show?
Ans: 2.48
